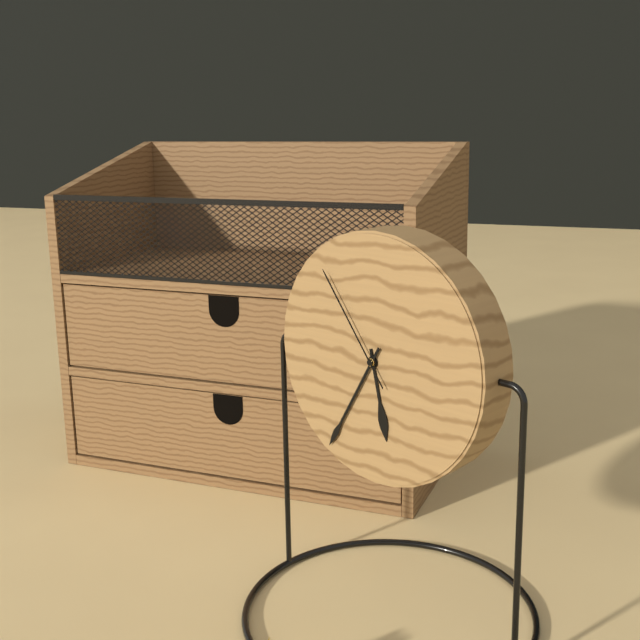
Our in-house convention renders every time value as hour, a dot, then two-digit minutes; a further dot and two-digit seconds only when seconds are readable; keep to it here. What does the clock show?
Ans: 5.35.54
